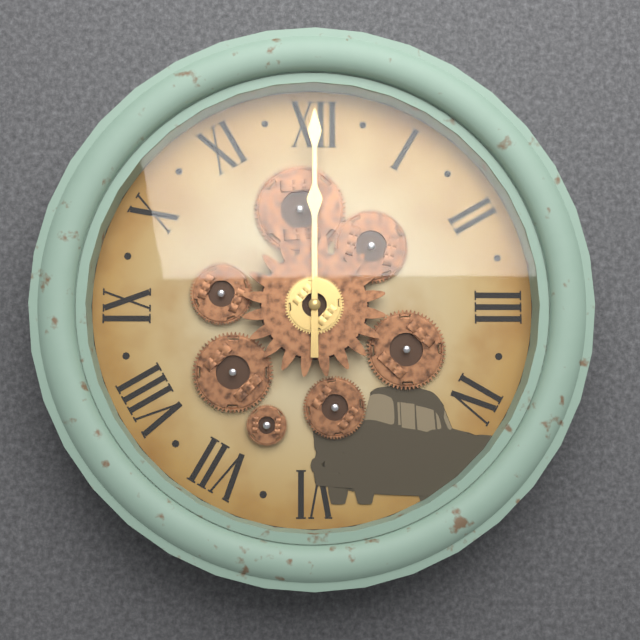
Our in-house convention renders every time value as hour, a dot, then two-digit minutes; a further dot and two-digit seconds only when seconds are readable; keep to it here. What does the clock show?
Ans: 12.00
